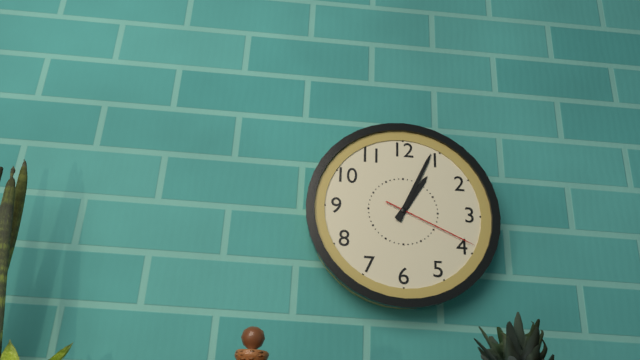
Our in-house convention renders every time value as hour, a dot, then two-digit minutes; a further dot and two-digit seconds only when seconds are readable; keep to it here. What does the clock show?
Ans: 1.04.19
